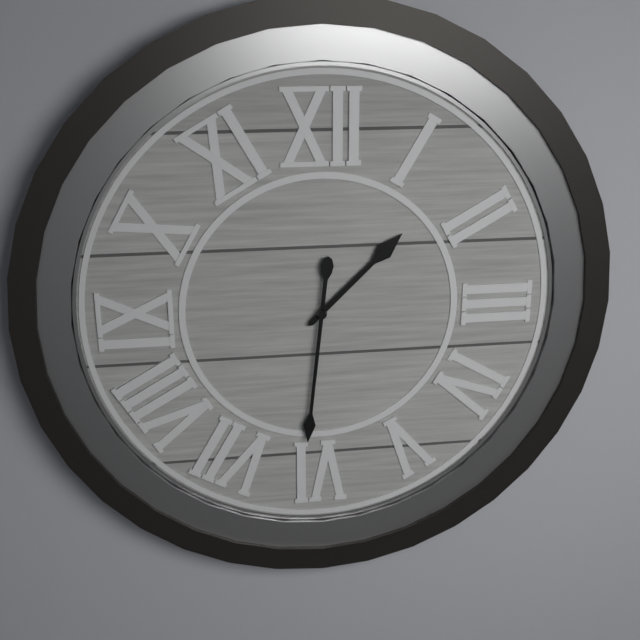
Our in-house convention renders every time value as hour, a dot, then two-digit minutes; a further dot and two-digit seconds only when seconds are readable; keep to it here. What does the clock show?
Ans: 1.31
